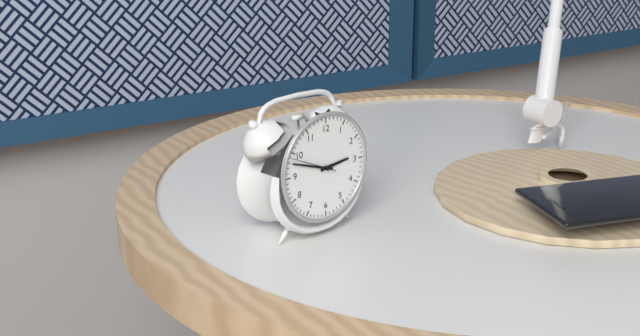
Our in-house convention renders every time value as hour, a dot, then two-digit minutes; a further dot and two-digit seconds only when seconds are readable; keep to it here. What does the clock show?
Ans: 2.48
